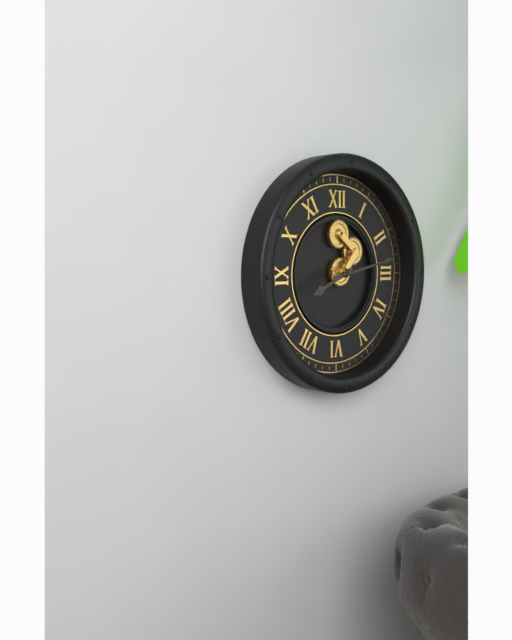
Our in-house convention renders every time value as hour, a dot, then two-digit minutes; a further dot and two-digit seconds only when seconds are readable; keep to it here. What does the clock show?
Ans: 8.13
